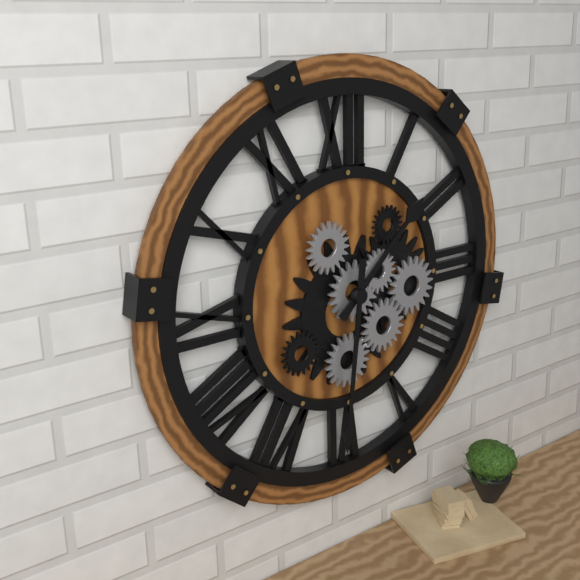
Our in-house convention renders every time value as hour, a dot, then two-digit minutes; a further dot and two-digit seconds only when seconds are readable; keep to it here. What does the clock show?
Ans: 1.31
